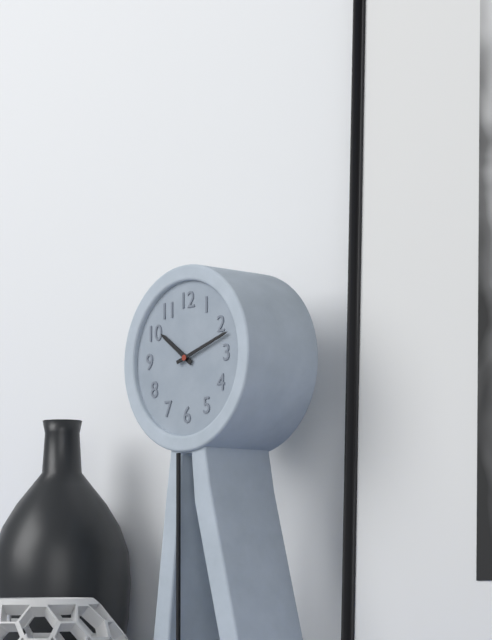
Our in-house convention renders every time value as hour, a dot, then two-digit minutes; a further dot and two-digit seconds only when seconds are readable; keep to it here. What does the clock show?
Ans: 10.12
